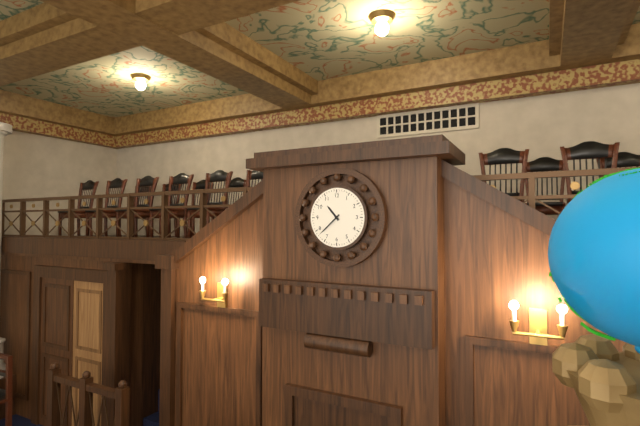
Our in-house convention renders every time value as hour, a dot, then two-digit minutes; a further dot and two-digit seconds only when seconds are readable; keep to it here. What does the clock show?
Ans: 10.38
